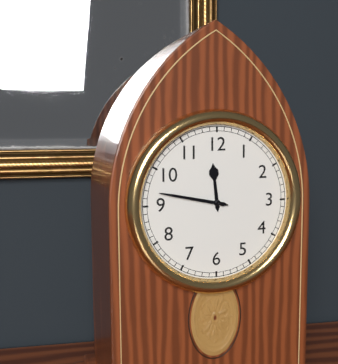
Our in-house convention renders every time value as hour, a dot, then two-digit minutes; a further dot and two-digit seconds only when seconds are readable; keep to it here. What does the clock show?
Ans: 11.47
